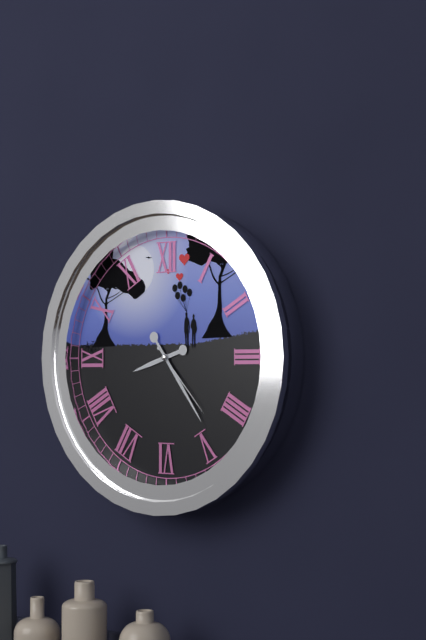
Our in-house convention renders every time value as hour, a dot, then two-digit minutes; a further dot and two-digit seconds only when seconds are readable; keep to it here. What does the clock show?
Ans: 8.24.23
